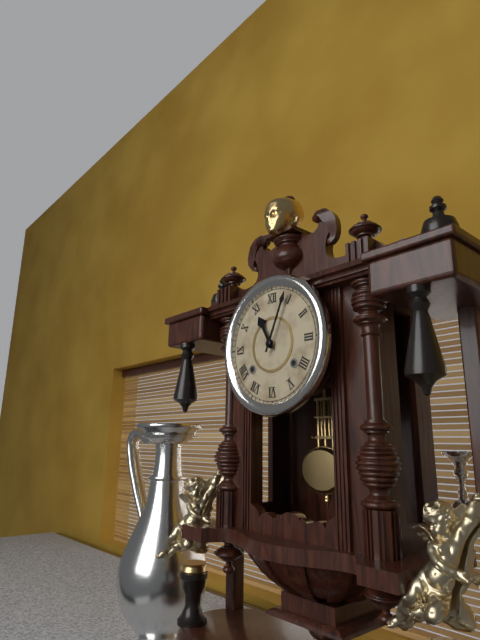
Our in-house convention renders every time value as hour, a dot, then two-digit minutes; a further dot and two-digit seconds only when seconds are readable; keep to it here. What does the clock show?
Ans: 11.04
